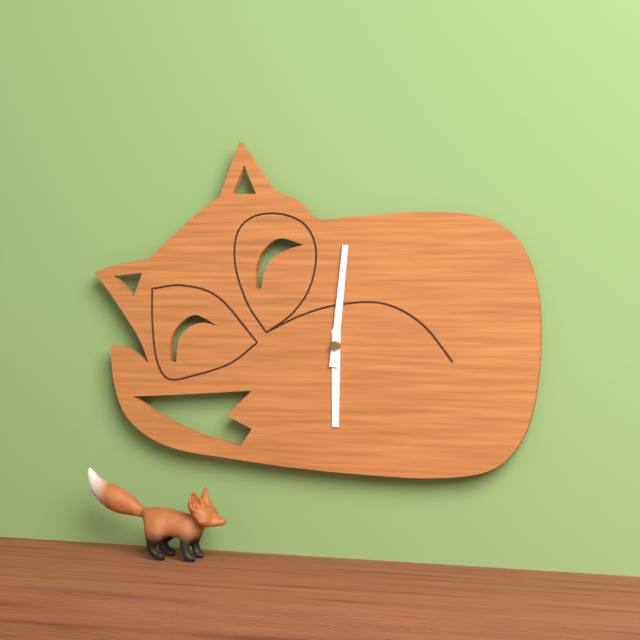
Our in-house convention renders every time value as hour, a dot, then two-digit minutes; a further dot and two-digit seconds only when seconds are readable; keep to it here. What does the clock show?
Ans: 6.01
